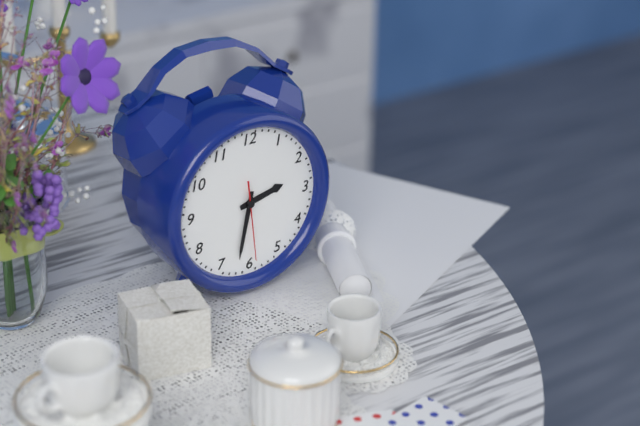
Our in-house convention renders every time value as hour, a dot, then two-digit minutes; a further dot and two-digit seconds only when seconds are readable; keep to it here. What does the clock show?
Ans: 2.32.29
